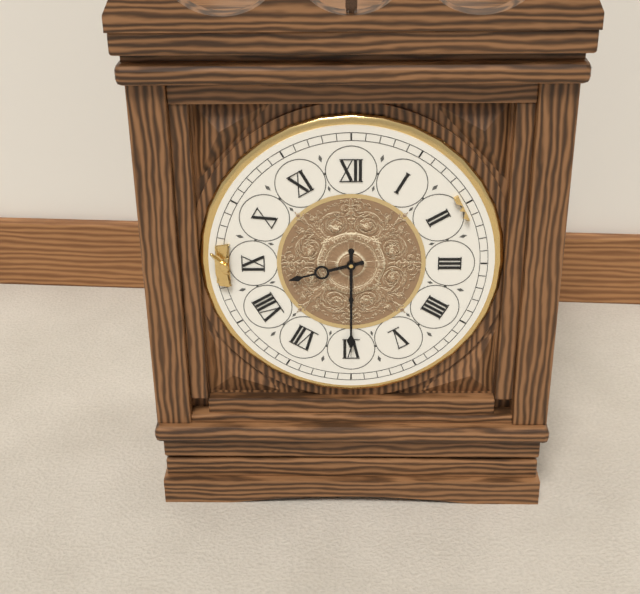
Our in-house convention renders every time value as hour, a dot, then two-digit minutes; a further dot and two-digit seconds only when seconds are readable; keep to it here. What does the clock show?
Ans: 8.30
